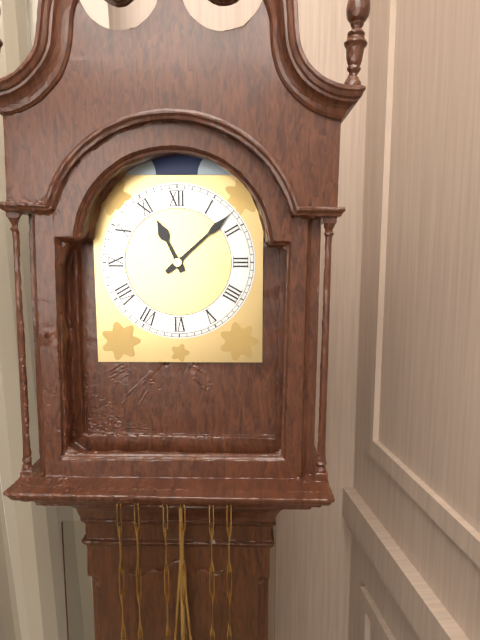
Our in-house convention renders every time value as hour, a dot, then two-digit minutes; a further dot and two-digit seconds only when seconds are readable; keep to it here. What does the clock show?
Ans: 11.08
